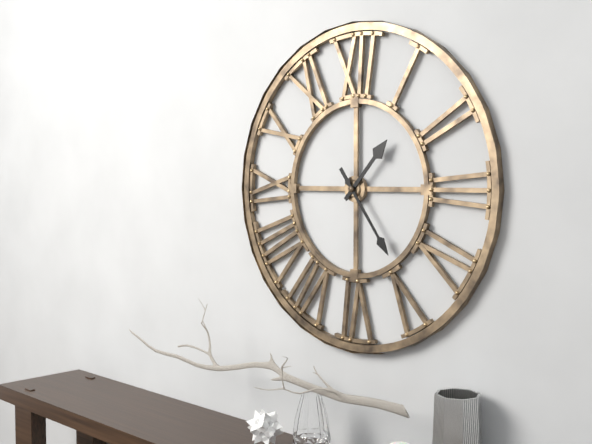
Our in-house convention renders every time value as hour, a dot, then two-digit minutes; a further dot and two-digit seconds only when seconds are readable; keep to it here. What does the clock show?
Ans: 1.24
